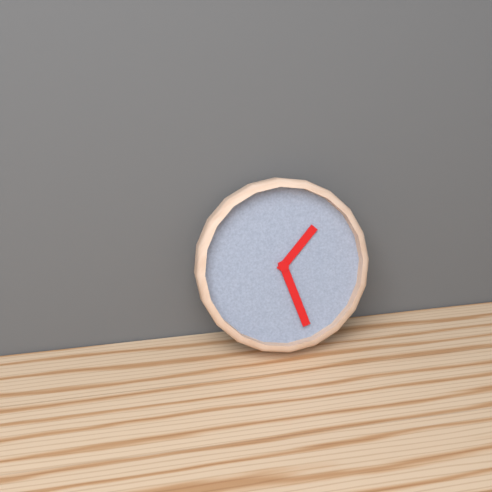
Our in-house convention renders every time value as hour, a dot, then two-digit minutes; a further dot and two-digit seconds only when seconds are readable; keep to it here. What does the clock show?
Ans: 1.27
